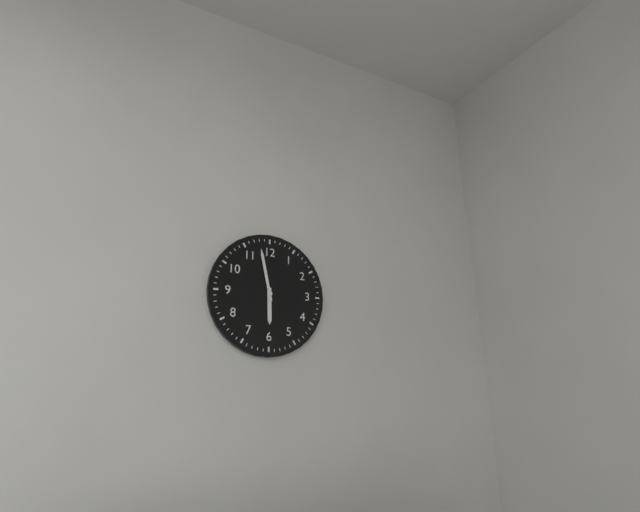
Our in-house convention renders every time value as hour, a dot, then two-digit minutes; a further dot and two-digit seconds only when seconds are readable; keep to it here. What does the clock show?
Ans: 5.58
